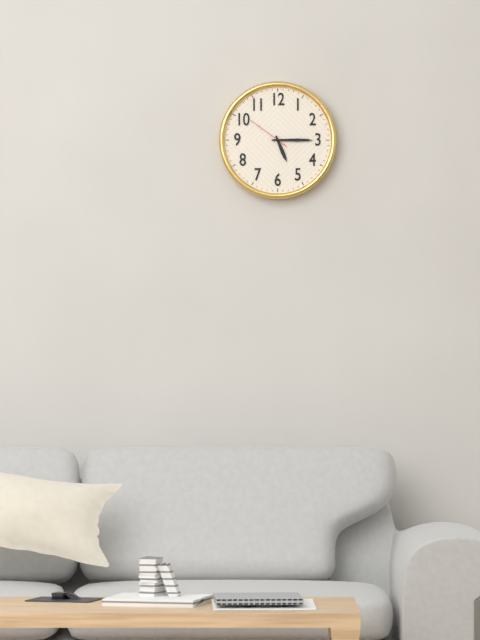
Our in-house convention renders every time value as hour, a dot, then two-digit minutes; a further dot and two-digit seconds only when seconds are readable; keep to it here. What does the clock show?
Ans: 5.15
